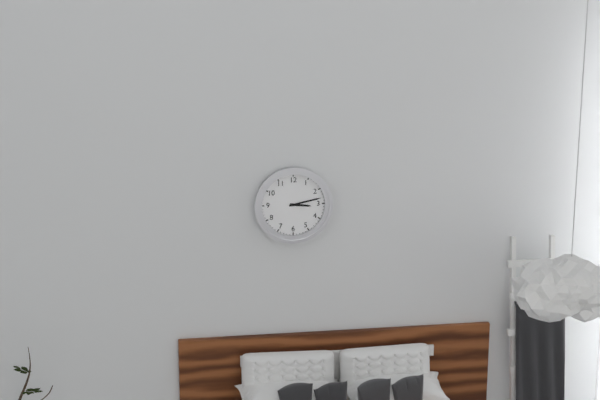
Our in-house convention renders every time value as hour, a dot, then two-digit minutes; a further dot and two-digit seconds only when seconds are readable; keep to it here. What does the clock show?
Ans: 3.13
